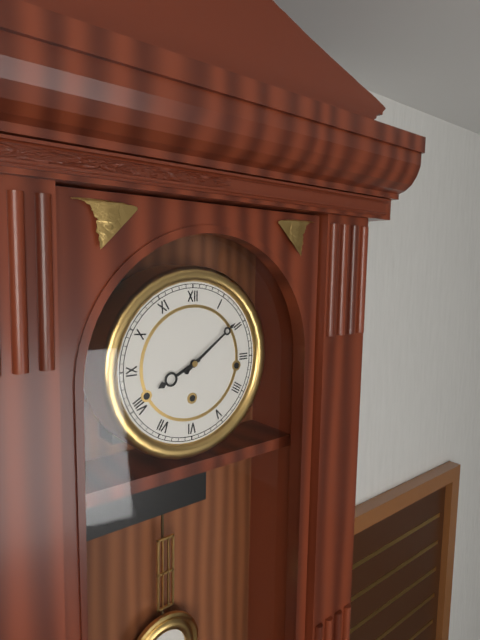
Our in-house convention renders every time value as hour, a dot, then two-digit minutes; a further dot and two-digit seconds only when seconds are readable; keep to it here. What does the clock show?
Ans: 8.09
